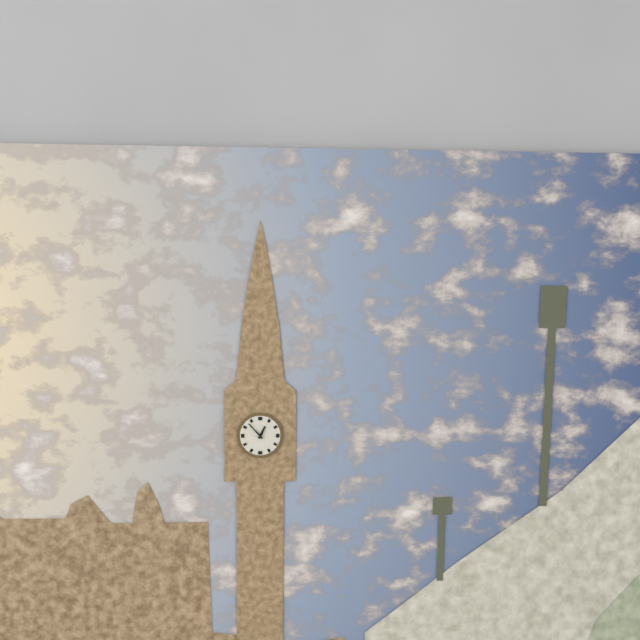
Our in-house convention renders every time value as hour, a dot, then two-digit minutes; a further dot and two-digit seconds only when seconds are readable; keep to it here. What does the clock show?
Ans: 12.53
